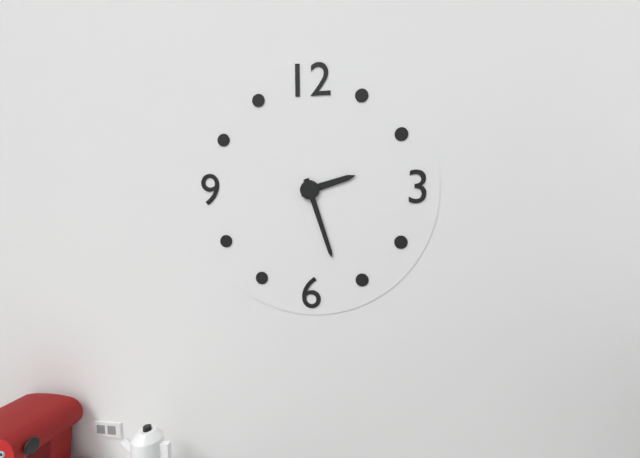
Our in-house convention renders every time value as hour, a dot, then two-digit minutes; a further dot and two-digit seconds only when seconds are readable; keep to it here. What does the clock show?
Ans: 2.27
